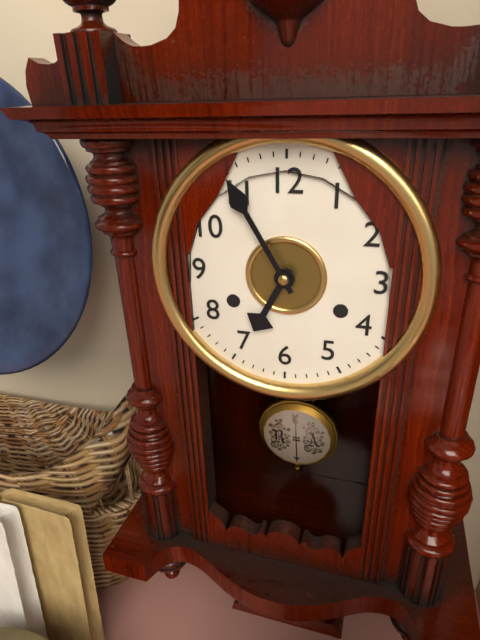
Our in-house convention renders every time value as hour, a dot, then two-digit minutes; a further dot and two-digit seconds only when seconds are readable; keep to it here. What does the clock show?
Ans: 6.55
